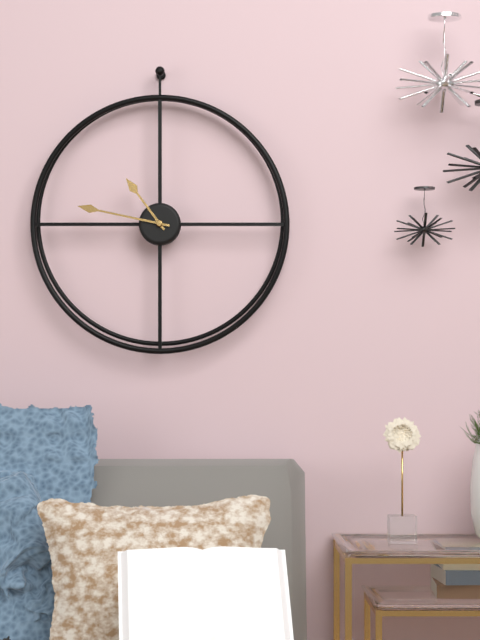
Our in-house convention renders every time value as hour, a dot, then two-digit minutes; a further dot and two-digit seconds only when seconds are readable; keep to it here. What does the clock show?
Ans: 10.47
